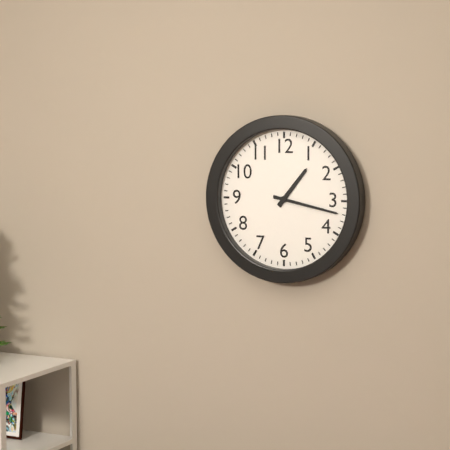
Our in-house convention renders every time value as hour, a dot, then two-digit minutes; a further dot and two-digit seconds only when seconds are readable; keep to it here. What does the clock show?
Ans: 1.17
